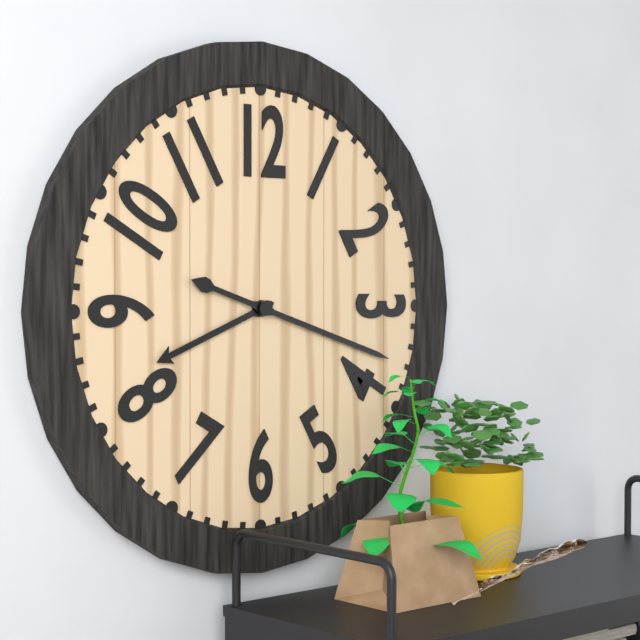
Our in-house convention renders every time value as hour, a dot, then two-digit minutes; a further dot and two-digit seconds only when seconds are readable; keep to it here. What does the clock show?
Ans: 8.18
